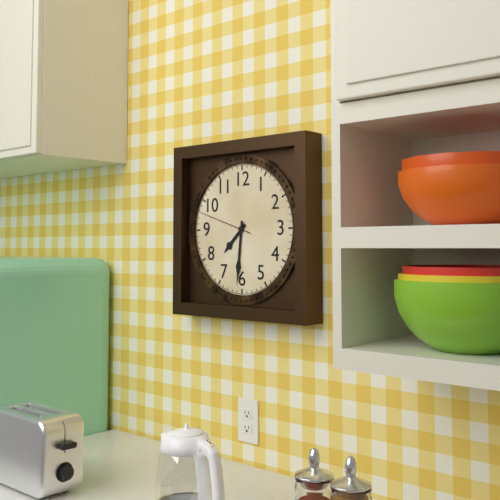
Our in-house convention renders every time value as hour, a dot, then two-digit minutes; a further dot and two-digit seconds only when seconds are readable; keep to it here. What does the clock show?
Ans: 7.31.48
